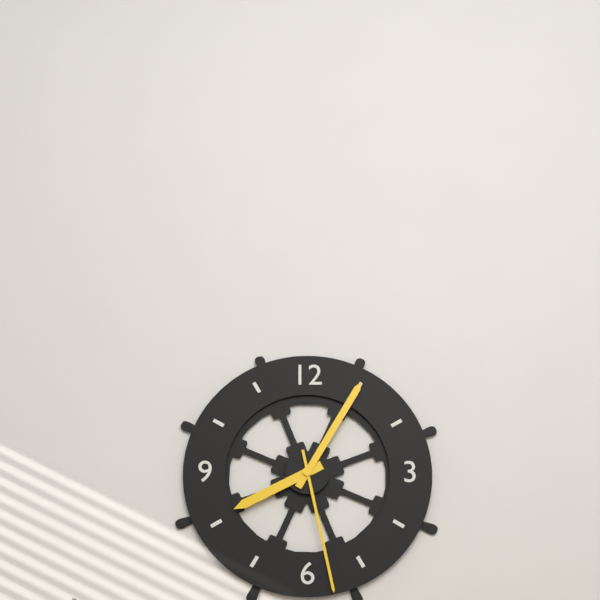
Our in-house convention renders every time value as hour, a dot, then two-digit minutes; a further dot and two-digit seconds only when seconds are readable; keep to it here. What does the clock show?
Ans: 8.05.28
